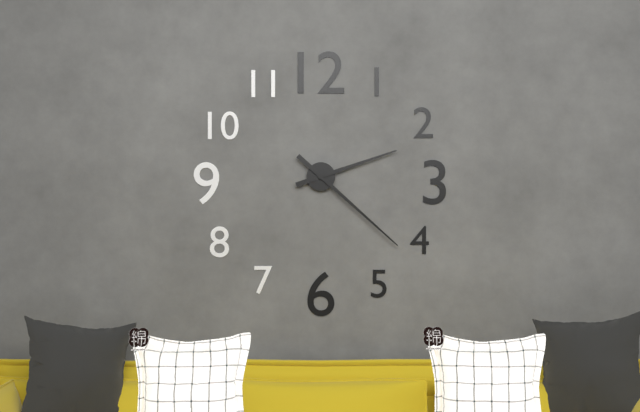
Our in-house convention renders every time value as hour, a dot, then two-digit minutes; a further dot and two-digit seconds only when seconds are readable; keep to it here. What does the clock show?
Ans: 2.22
